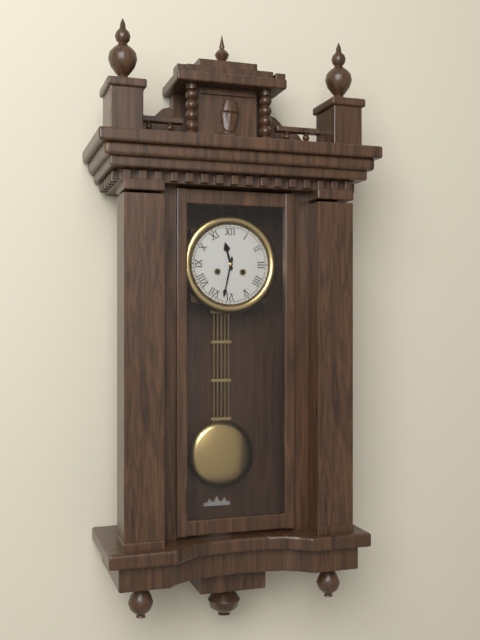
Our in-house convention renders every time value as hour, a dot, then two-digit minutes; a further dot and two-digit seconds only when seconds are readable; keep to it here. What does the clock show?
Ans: 11.32
